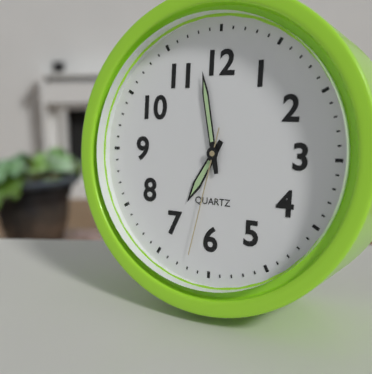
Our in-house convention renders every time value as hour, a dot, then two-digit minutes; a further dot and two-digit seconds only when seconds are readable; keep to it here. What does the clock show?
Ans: 6.58.32
